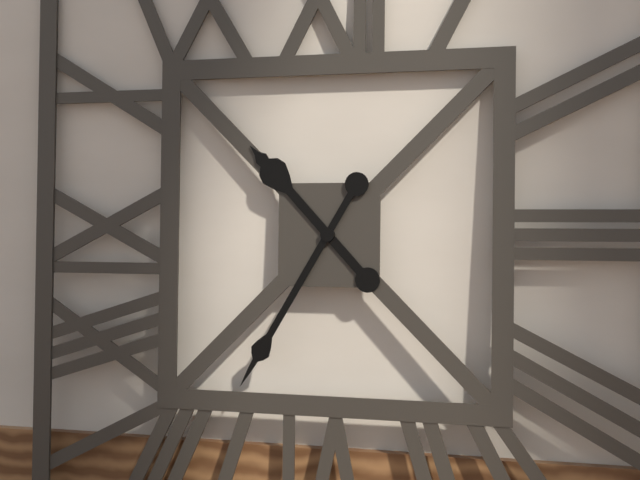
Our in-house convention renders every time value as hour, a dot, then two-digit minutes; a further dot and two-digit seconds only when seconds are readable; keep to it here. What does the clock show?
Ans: 10.35
